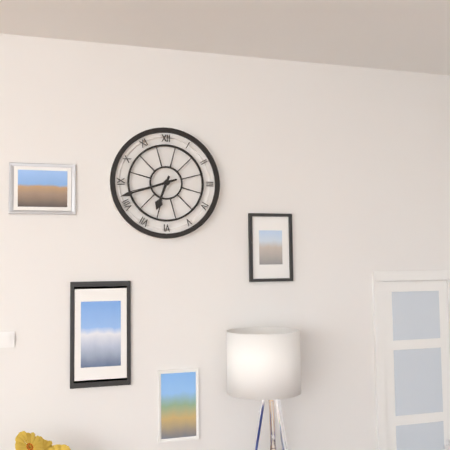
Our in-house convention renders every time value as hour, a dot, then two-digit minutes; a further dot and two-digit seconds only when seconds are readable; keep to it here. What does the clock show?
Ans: 6.42
